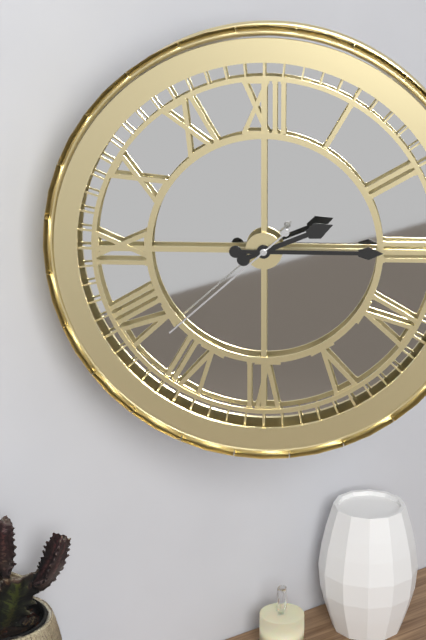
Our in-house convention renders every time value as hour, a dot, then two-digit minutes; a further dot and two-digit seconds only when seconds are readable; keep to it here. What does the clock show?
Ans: 2.15.38
